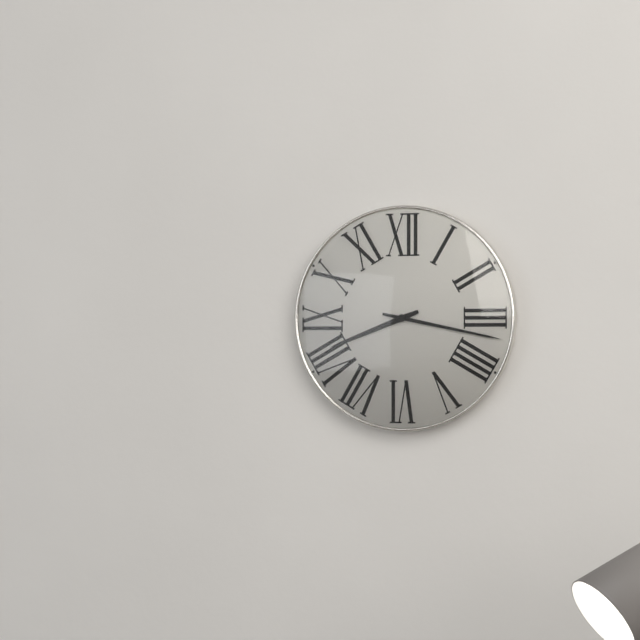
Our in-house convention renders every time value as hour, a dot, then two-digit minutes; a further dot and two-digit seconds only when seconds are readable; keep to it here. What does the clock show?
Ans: 8.17
